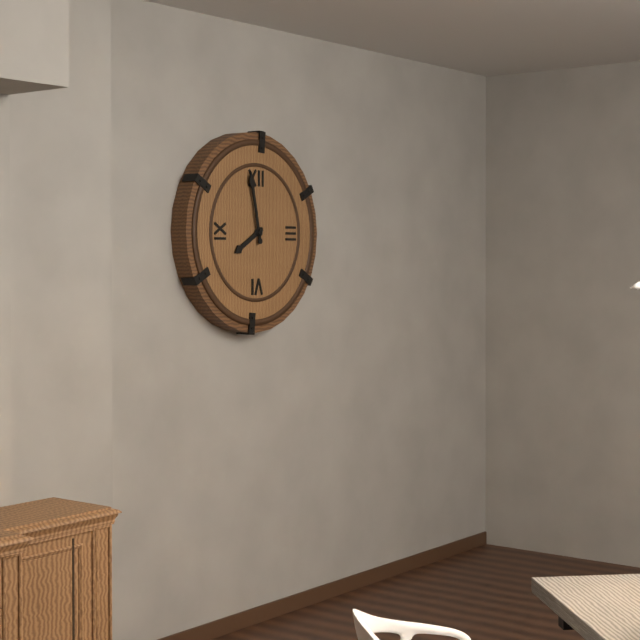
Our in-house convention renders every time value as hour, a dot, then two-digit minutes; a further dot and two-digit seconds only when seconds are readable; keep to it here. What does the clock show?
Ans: 7.58
